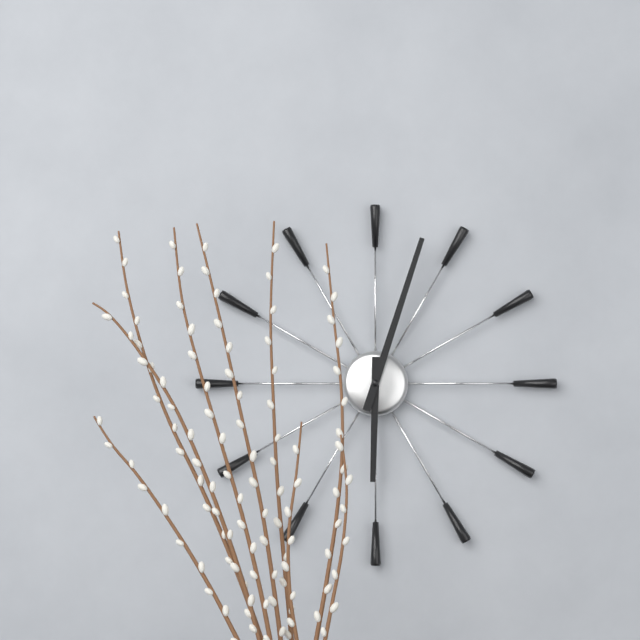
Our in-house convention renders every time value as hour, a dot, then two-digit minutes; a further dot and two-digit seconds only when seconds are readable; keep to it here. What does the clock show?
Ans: 6.03
